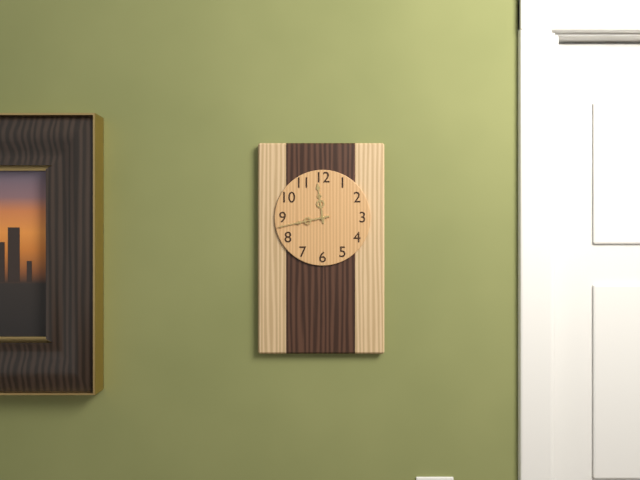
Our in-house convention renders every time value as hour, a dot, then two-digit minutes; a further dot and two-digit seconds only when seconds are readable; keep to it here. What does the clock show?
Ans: 11.43
